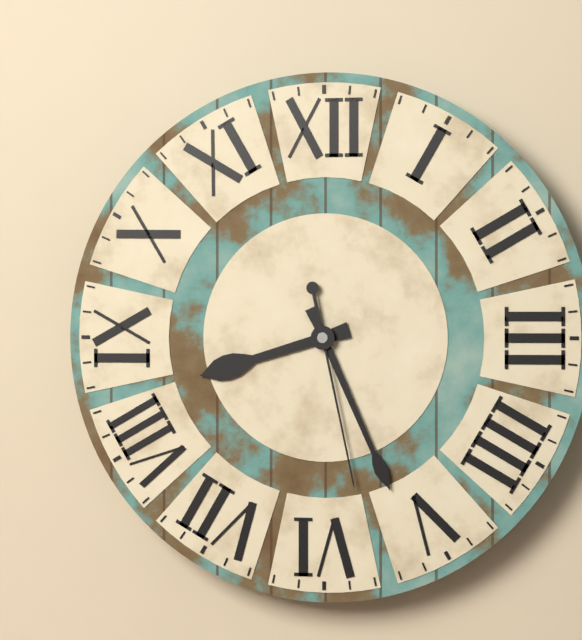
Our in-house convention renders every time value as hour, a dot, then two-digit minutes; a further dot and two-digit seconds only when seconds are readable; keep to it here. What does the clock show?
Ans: 8.26.28
